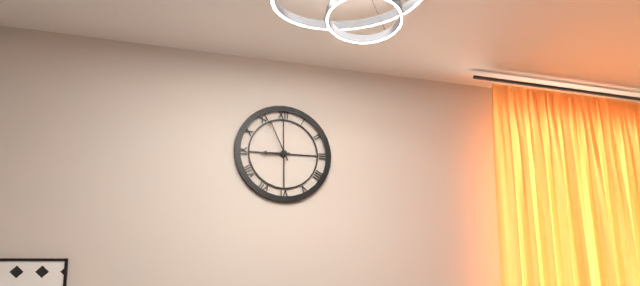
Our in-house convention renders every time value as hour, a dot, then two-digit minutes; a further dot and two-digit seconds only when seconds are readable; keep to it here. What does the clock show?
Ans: 8.56
